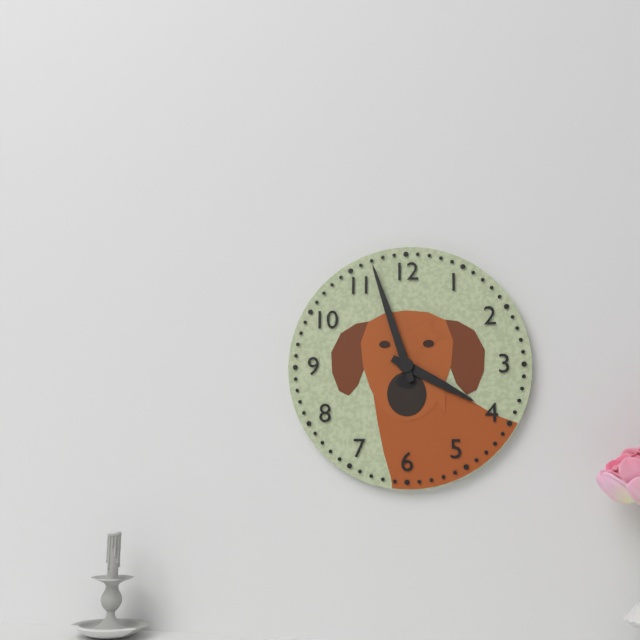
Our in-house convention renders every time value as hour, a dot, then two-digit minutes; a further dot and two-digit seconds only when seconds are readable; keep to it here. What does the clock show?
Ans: 3.57
